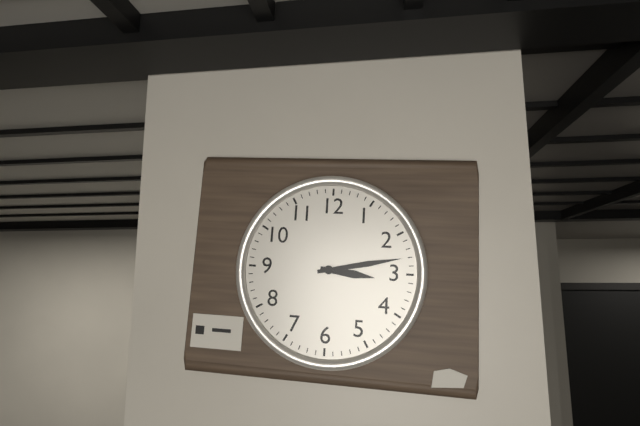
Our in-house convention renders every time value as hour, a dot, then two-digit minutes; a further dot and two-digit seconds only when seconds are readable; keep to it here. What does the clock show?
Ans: 3.13
